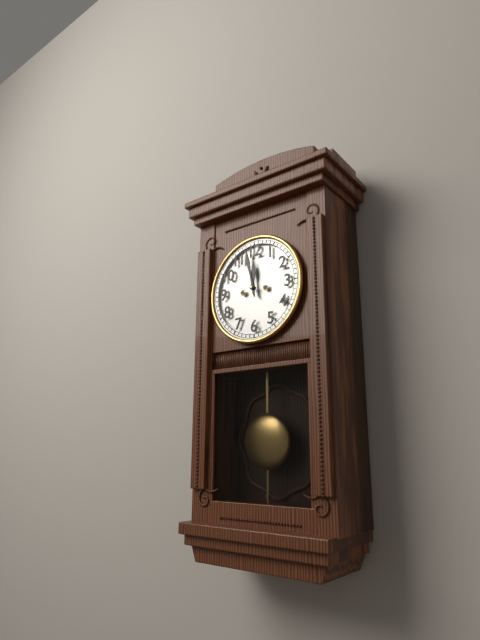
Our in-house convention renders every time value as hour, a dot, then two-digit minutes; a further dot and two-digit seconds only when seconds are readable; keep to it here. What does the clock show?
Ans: 11.58
